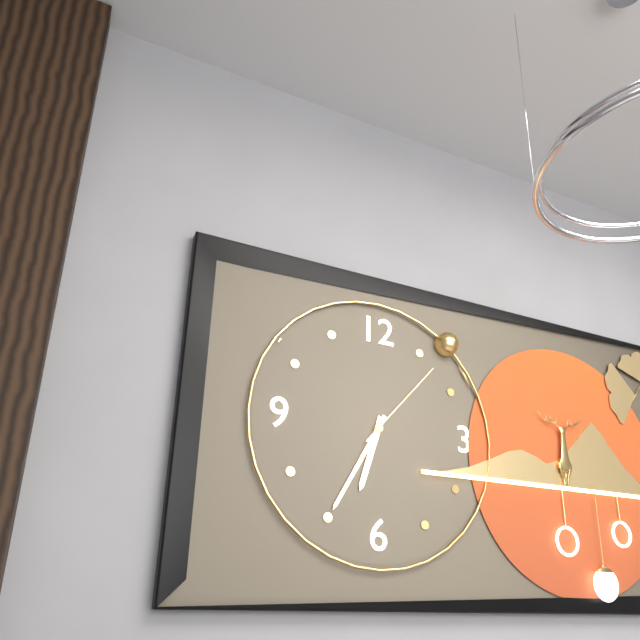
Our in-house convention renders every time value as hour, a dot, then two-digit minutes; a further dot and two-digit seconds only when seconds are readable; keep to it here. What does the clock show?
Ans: 6.35.07
